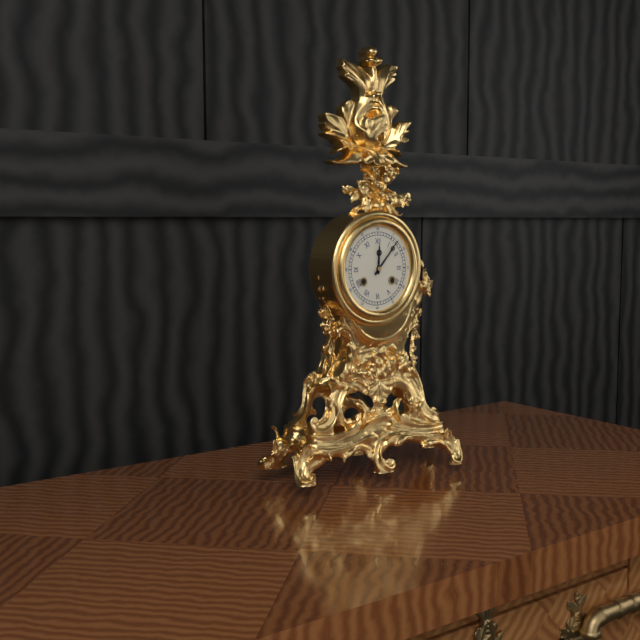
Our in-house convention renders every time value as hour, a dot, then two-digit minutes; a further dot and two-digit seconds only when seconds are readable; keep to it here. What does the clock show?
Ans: 12.07
